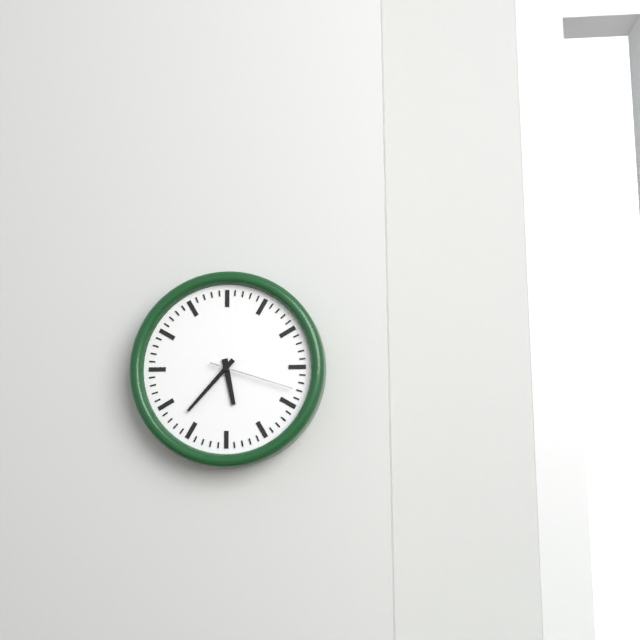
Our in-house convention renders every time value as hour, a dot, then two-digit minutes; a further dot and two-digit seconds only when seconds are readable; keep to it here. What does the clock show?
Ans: 5.37.18
